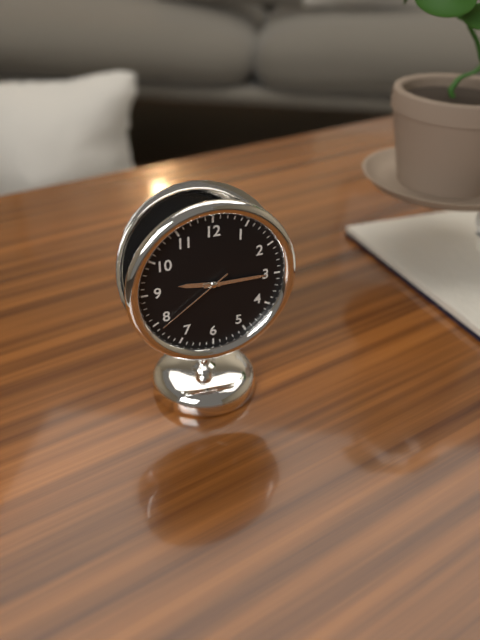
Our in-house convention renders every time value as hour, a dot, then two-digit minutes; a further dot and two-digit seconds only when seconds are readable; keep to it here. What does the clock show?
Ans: 9.15.39
